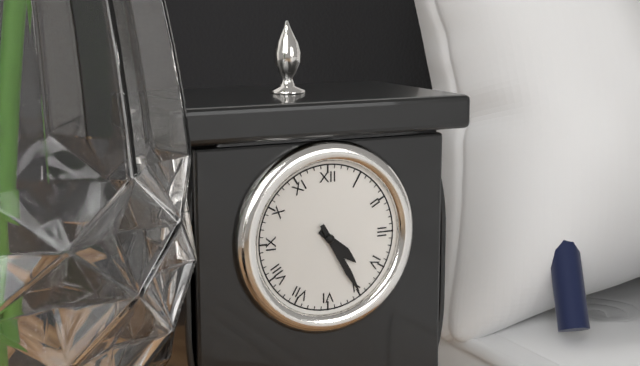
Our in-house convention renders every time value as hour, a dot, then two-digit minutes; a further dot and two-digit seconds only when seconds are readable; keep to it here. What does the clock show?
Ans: 4.25
